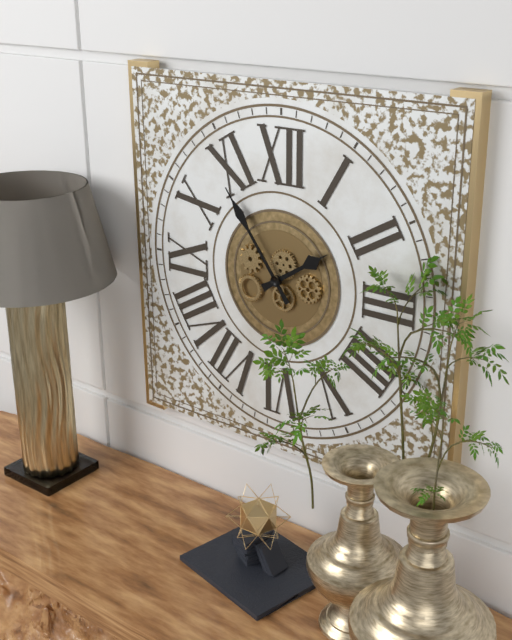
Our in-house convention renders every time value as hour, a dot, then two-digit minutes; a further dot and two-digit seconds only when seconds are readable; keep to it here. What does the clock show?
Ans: 1.54
